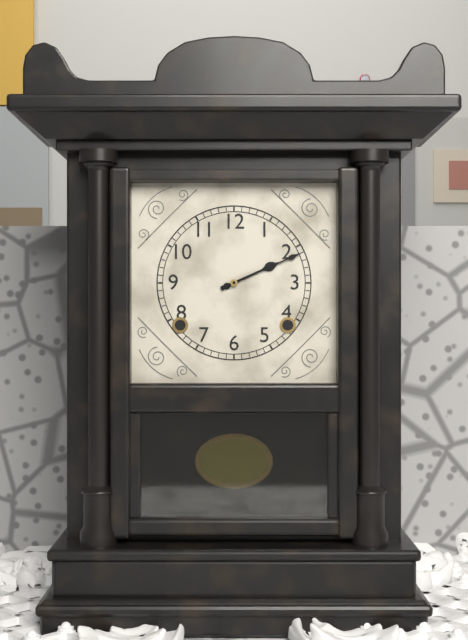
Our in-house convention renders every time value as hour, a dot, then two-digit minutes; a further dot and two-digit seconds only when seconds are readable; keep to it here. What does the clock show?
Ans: 2.11
